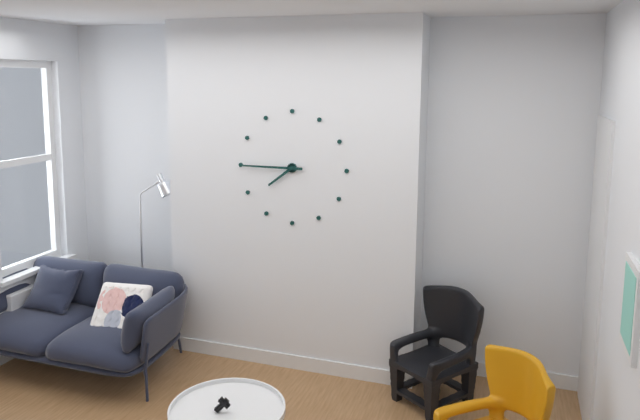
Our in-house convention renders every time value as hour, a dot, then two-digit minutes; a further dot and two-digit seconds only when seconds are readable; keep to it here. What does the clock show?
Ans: 7.45
